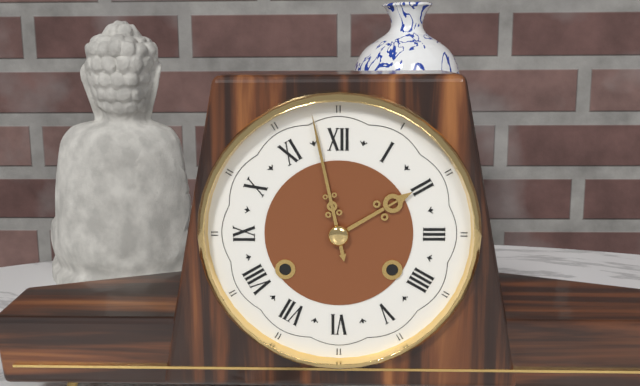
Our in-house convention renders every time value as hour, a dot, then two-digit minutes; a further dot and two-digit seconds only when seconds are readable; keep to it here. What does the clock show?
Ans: 1.58
